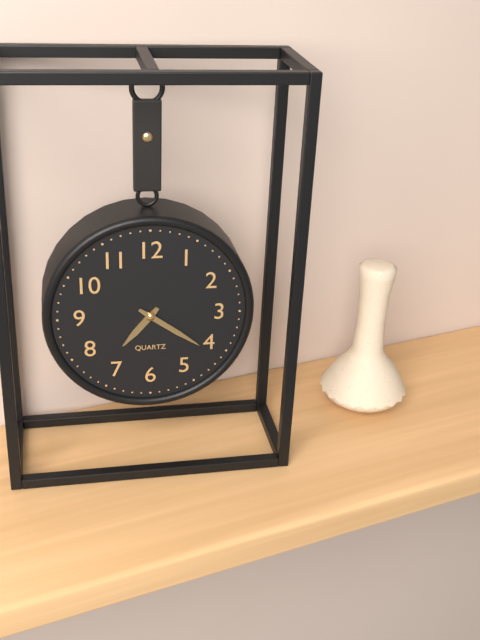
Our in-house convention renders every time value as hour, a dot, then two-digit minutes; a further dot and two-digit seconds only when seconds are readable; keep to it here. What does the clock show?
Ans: 7.21
